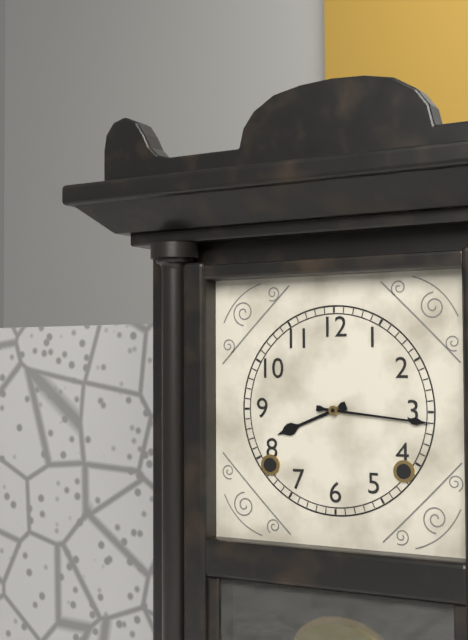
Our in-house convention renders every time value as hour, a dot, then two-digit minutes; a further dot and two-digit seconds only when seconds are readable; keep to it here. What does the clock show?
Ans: 8.16
